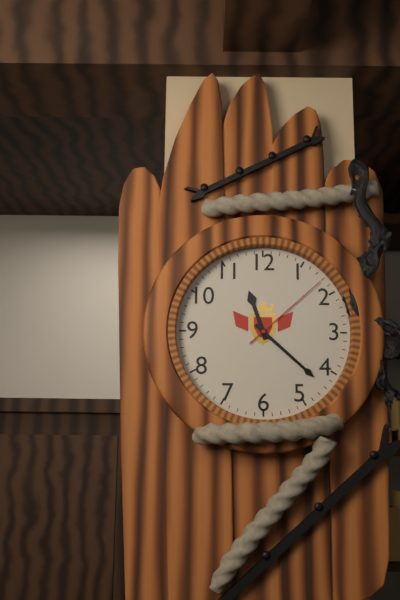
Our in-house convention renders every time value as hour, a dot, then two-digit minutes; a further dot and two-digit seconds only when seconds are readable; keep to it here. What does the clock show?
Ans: 11.22.08
